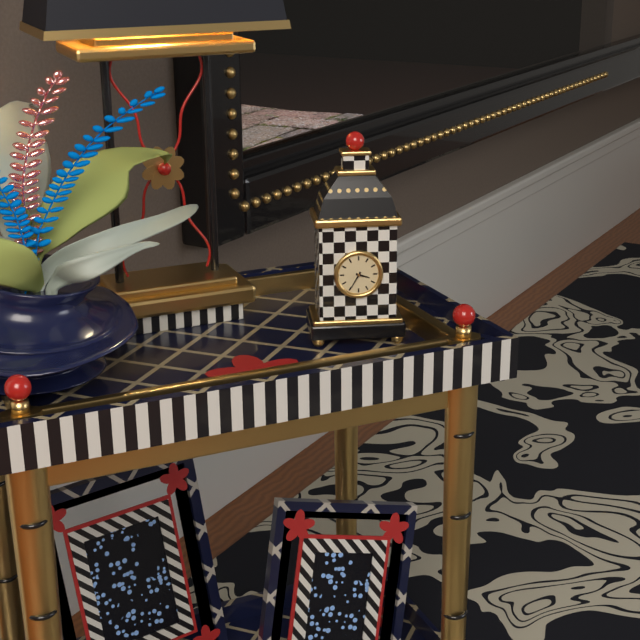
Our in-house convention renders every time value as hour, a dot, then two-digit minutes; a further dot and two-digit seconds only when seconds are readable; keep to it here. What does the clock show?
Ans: 3.35
